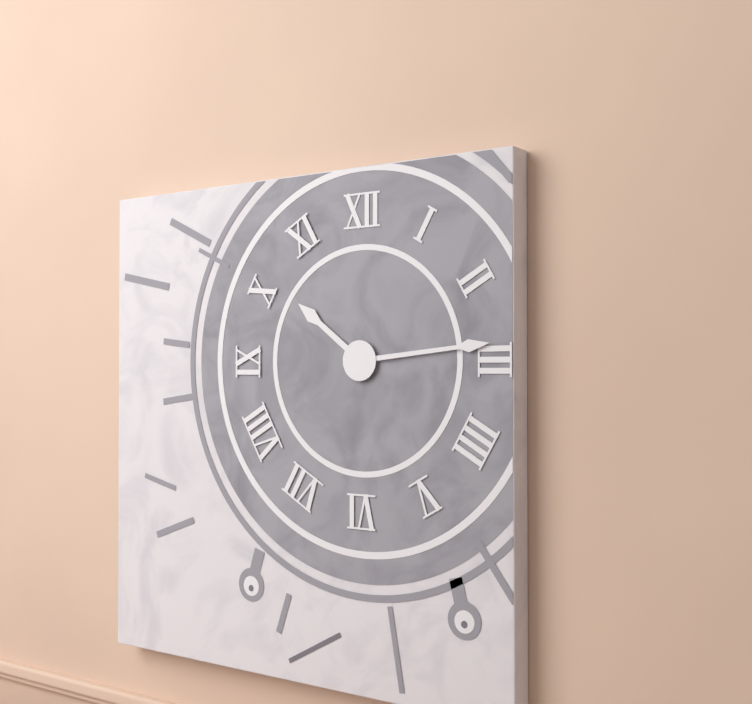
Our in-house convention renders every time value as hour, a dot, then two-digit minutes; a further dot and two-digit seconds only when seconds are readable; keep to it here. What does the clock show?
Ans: 10.14
